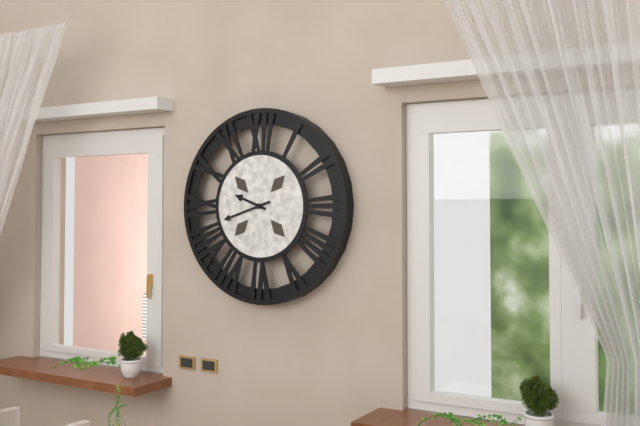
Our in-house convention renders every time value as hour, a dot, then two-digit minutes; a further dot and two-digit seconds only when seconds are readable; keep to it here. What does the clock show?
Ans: 9.42
